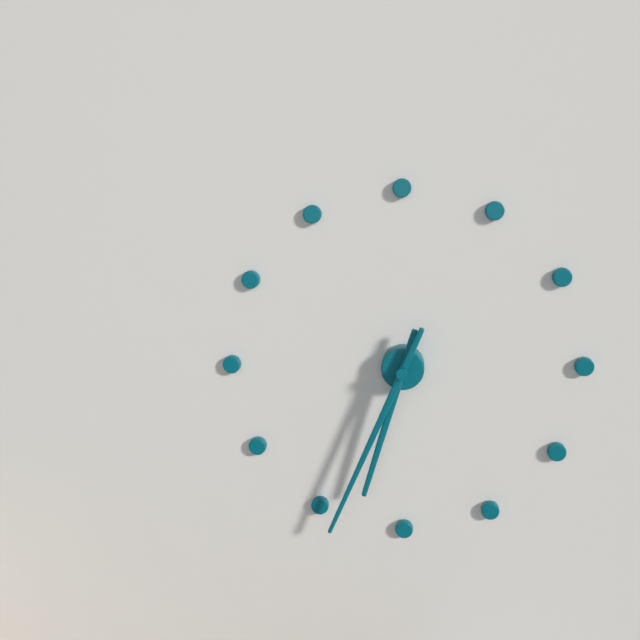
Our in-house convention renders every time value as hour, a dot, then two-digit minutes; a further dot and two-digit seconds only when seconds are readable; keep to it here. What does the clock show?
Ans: 6.34
